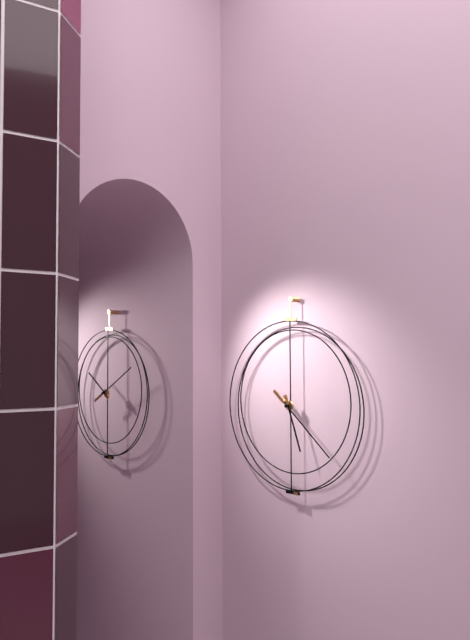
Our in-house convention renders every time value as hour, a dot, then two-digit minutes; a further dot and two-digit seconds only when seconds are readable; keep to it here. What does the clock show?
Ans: 5.22
